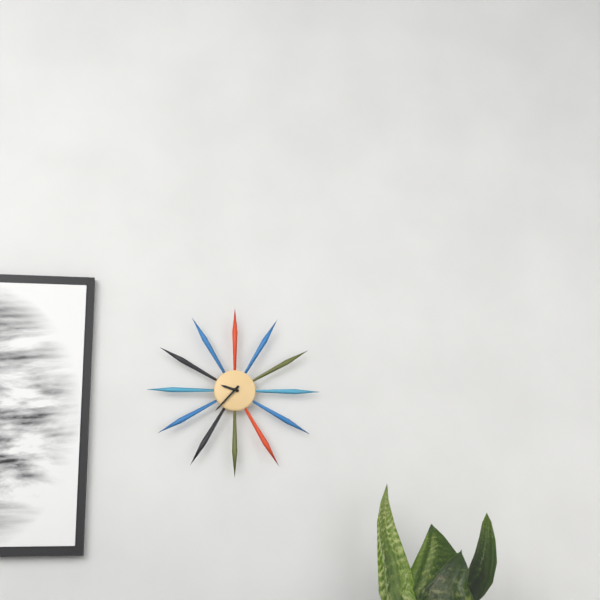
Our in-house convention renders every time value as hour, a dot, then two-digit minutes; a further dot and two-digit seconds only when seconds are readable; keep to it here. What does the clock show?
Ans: 9.37
